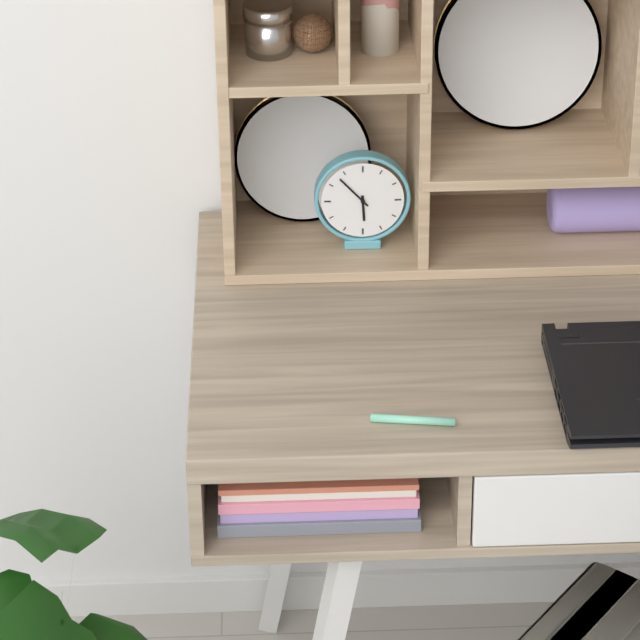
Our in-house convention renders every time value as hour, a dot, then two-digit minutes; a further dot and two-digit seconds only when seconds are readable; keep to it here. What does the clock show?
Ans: 5.53
